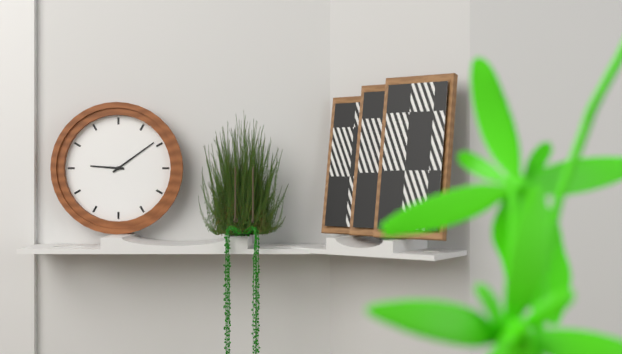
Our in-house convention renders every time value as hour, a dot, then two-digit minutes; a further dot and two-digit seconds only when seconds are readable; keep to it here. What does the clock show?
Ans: 9.09
